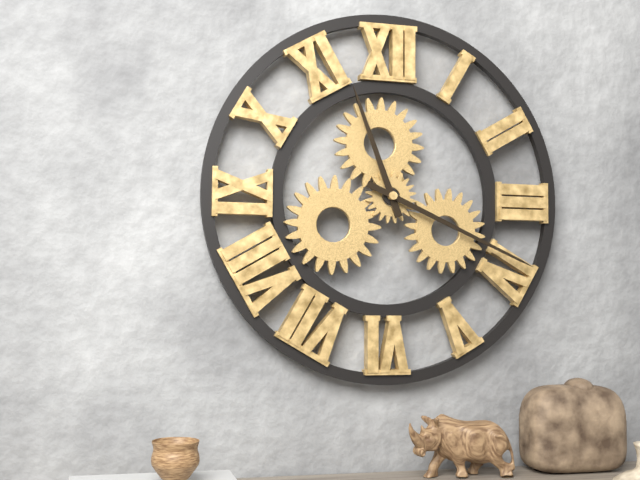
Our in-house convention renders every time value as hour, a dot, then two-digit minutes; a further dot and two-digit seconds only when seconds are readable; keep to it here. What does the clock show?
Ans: 11.19
